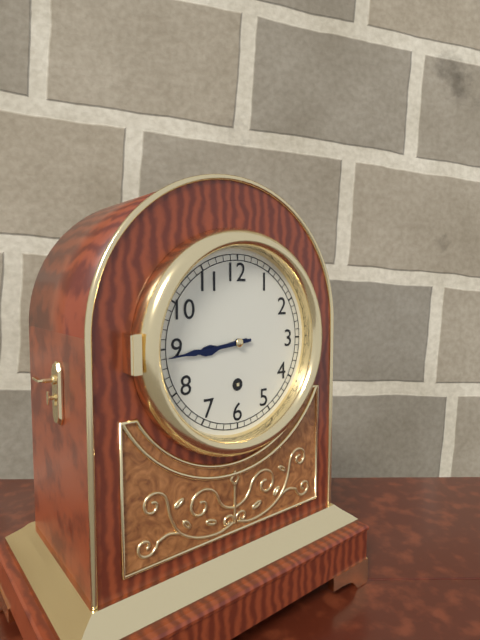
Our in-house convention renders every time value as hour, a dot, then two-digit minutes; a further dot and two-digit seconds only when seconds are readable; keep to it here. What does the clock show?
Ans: 8.44
